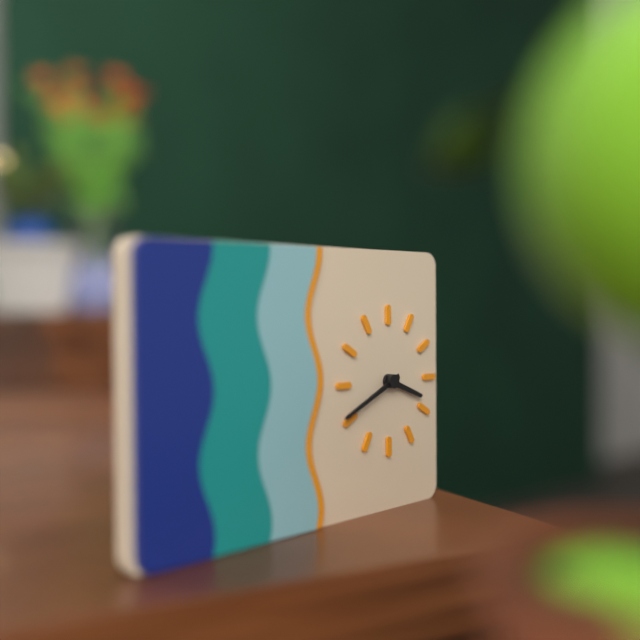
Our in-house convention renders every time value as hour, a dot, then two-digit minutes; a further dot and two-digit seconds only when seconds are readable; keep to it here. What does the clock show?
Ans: 3.41
